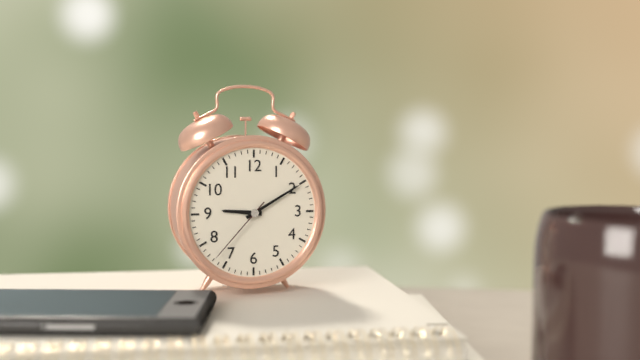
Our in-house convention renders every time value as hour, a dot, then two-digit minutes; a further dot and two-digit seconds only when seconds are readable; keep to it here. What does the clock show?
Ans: 9.10.37
